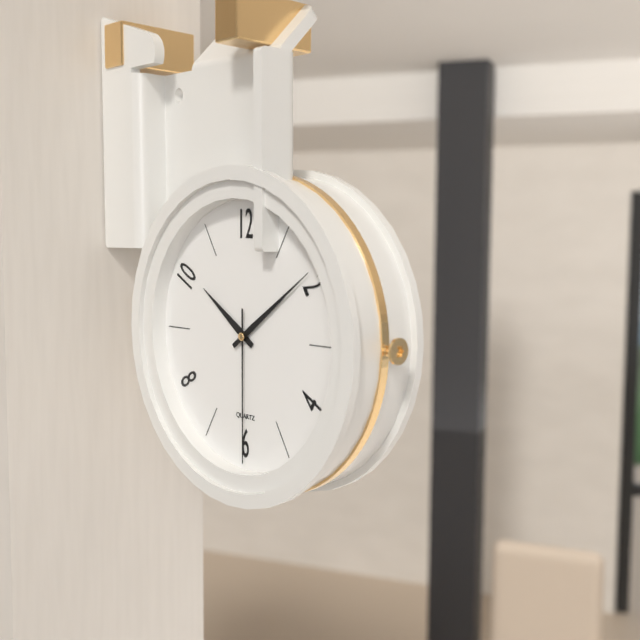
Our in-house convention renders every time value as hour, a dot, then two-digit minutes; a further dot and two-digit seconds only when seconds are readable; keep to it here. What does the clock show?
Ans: 10.09.30
